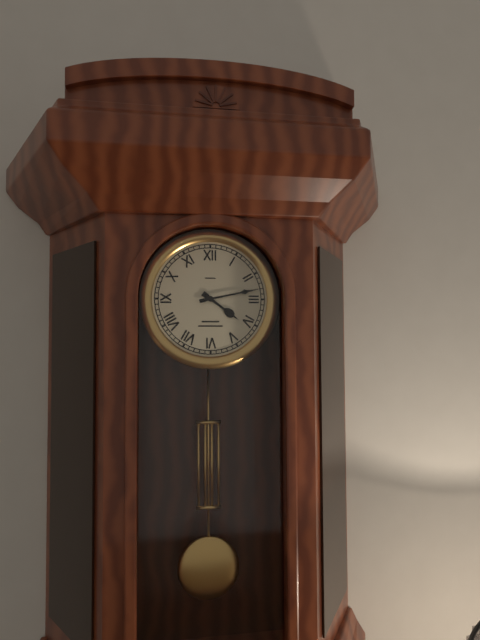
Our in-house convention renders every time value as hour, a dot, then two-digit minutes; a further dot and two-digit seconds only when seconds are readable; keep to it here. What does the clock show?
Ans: 4.13
